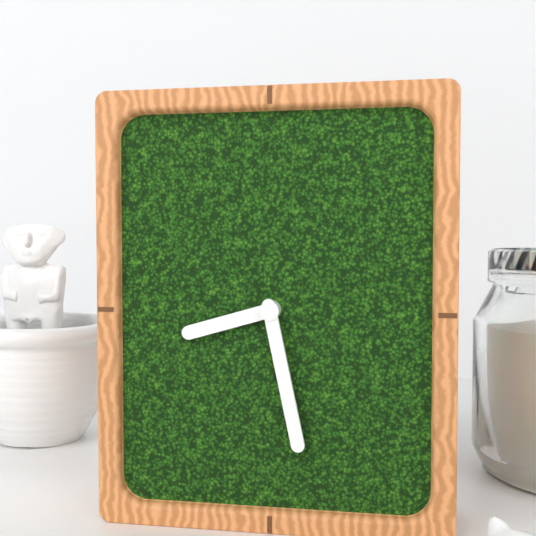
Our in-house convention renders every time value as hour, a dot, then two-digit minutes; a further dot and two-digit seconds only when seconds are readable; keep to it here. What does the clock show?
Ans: 8.28
